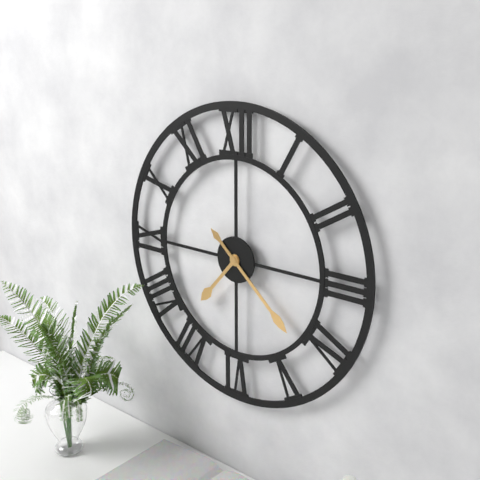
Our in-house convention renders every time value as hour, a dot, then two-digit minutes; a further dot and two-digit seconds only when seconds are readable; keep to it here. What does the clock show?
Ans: 7.22
